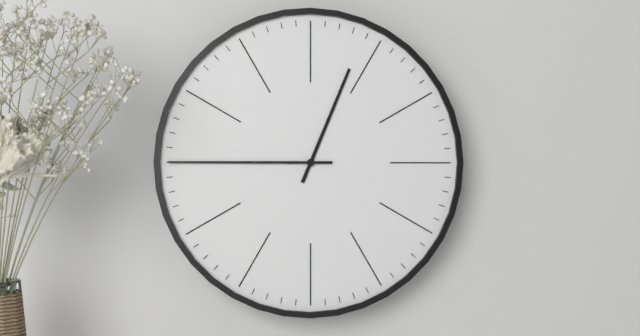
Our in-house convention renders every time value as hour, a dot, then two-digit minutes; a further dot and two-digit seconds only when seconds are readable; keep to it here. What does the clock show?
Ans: 12.45
